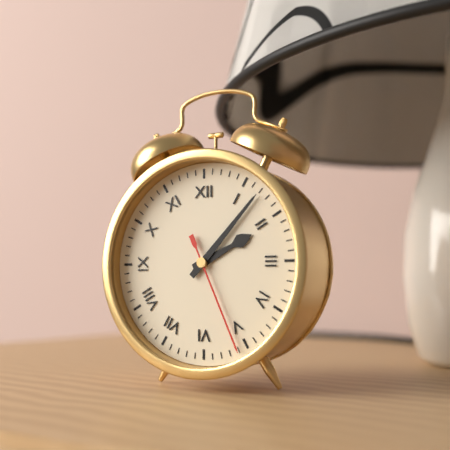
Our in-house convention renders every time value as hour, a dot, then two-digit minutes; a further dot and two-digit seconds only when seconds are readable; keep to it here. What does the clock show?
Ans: 2.07.26
